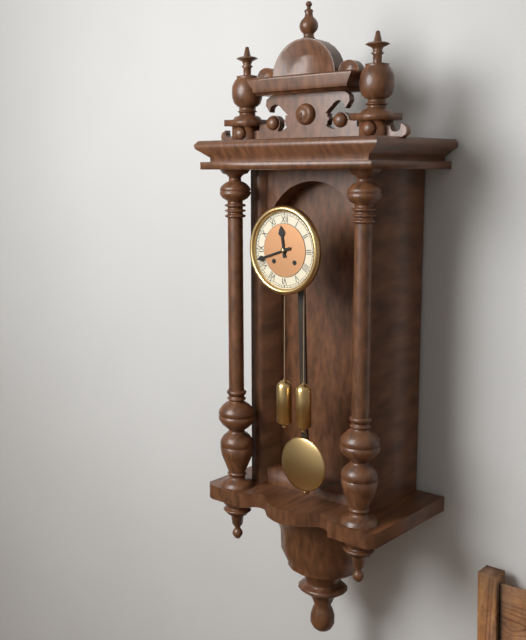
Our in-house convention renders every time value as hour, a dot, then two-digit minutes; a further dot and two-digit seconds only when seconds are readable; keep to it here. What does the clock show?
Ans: 11.42
